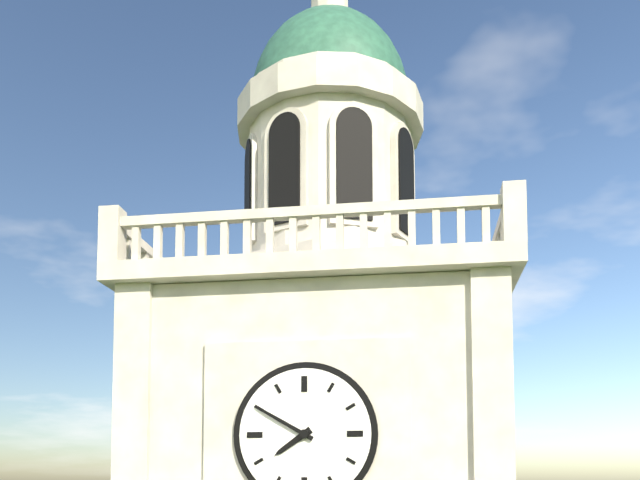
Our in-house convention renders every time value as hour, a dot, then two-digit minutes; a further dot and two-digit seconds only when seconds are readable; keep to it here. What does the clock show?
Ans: 7.50
